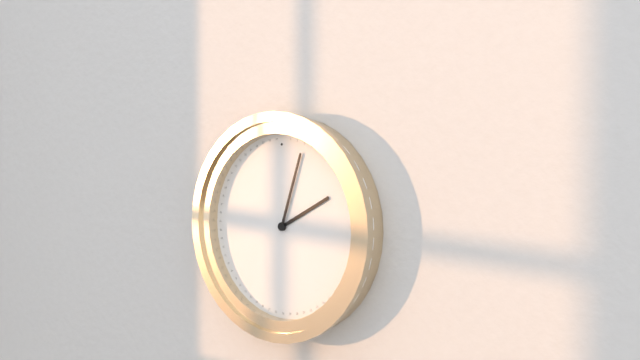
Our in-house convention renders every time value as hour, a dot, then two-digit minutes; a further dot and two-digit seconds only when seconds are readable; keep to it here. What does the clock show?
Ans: 2.03
